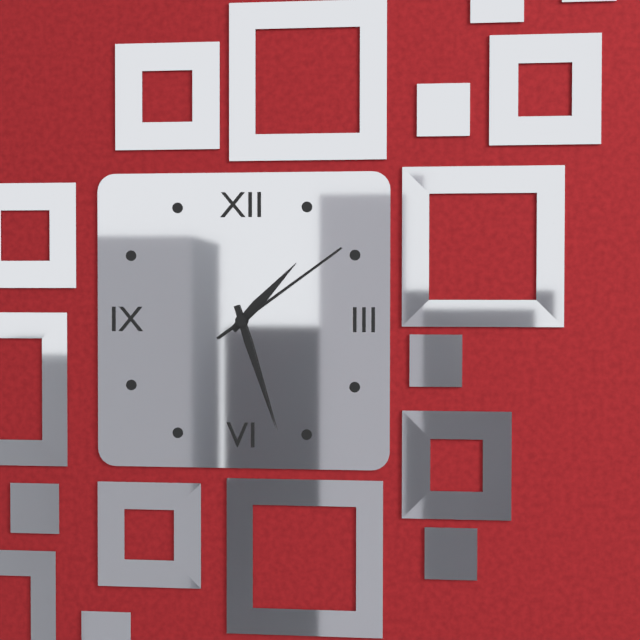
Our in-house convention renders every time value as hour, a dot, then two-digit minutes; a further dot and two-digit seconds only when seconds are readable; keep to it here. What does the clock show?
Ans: 1.27.09
